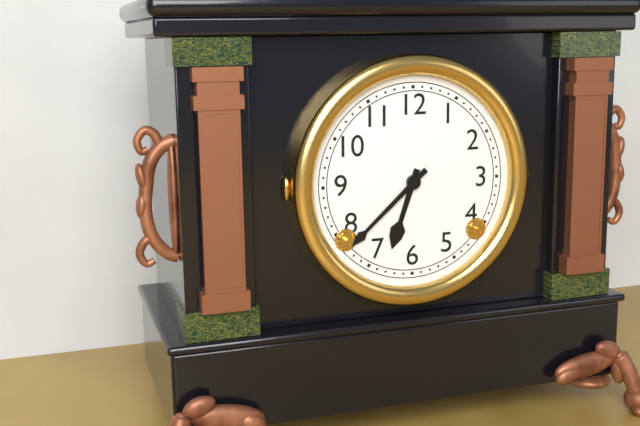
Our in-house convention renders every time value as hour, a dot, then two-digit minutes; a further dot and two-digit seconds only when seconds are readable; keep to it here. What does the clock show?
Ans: 6.38
